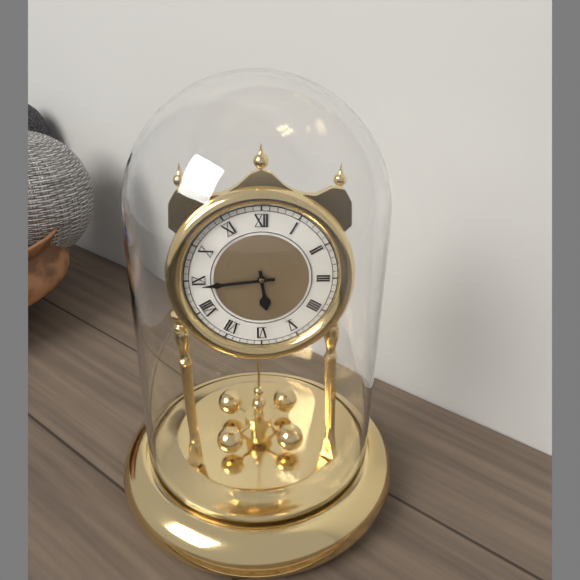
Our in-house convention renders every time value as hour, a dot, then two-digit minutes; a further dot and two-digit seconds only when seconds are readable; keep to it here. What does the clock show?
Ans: 5.44
